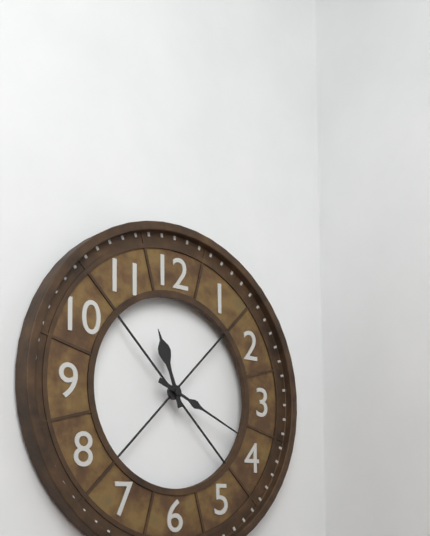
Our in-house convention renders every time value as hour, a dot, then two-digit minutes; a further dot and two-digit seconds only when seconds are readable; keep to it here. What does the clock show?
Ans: 11.19
